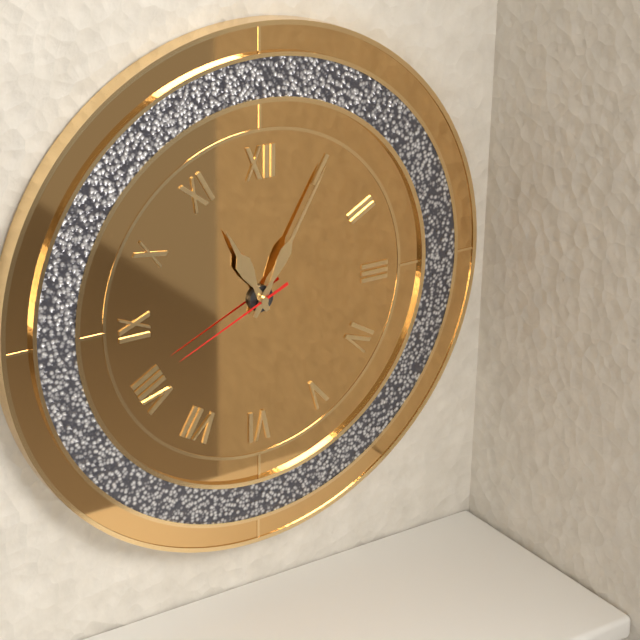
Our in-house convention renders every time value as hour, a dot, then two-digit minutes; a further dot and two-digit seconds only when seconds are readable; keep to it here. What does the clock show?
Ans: 11.05.41
